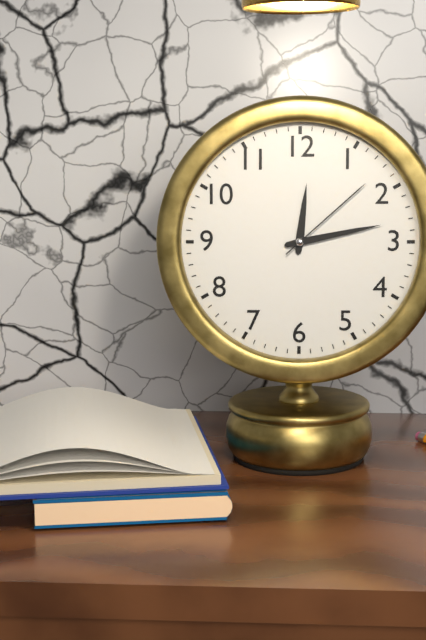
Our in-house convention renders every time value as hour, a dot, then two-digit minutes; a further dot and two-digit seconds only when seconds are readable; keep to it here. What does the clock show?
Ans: 12.13.08
